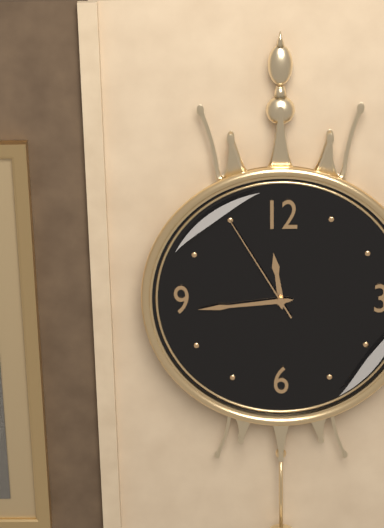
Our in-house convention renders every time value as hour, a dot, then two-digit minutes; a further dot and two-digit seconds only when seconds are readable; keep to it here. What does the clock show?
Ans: 11.44.55
